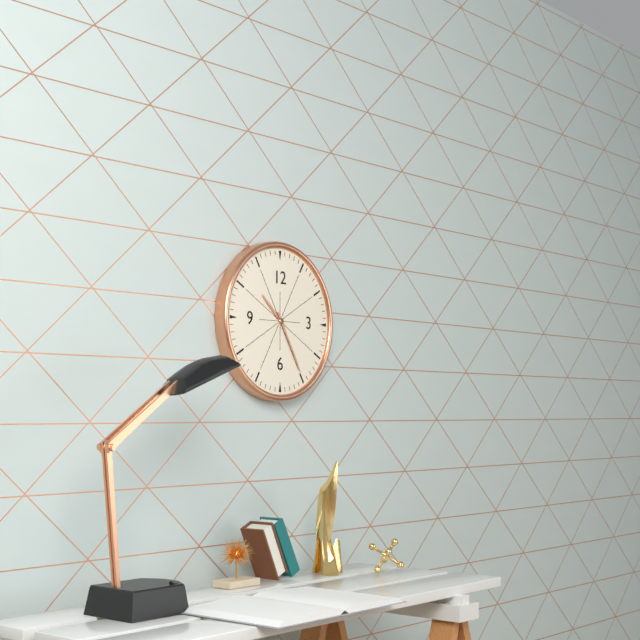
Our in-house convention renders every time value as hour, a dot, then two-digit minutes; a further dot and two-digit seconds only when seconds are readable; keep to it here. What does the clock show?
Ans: 10.25
